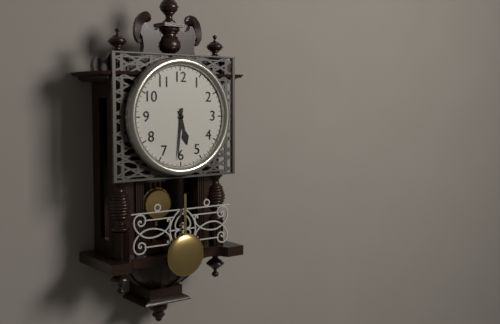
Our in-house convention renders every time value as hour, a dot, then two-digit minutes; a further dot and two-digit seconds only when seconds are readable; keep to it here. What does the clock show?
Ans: 5.31
